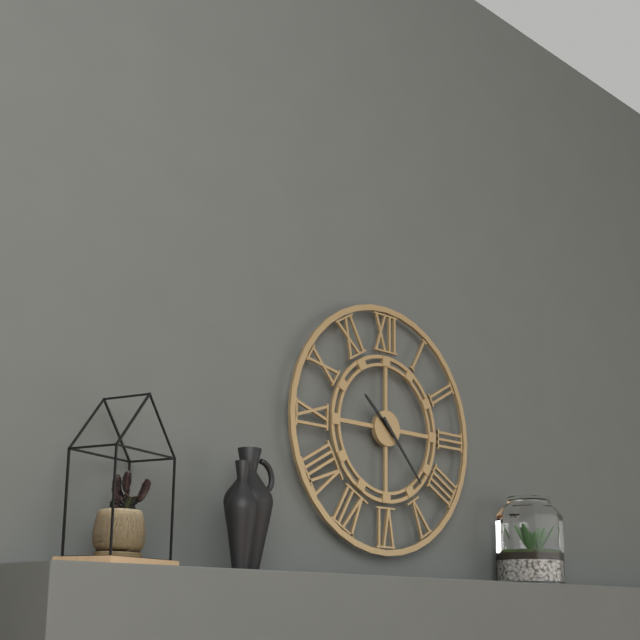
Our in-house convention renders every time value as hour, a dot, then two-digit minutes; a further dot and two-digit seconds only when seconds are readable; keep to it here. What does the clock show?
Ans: 10.23
